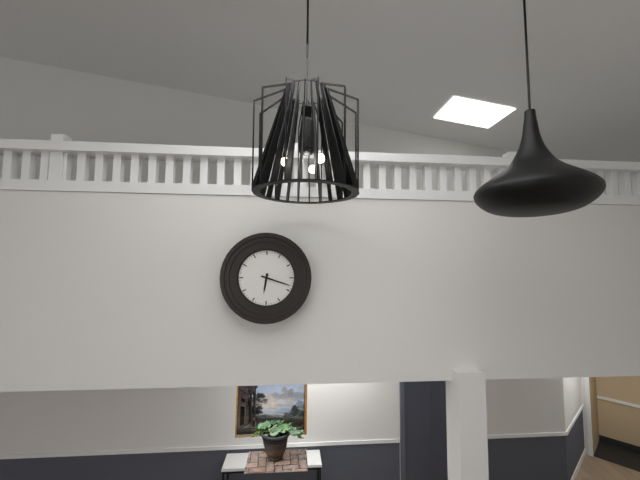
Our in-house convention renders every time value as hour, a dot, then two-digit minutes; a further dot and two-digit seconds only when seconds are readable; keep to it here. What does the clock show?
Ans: 6.18
